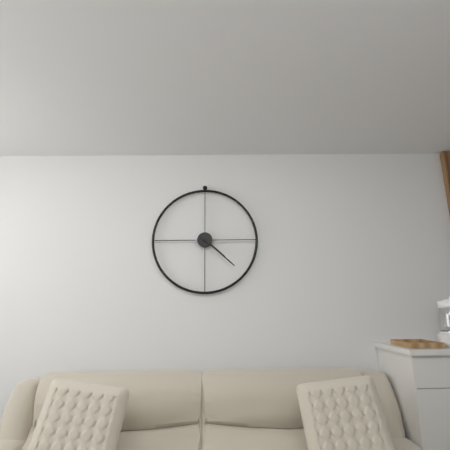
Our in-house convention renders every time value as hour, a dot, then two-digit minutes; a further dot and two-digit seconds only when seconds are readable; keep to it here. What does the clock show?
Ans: 4.22
